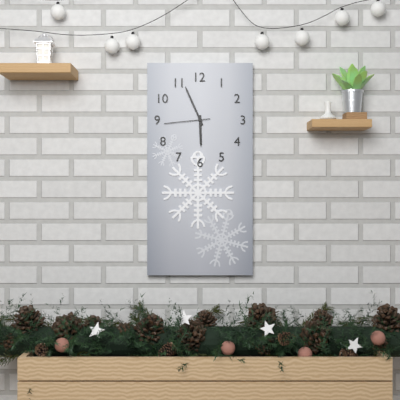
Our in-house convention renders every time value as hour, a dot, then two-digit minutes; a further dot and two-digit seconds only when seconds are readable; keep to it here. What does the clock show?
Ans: 5.56
